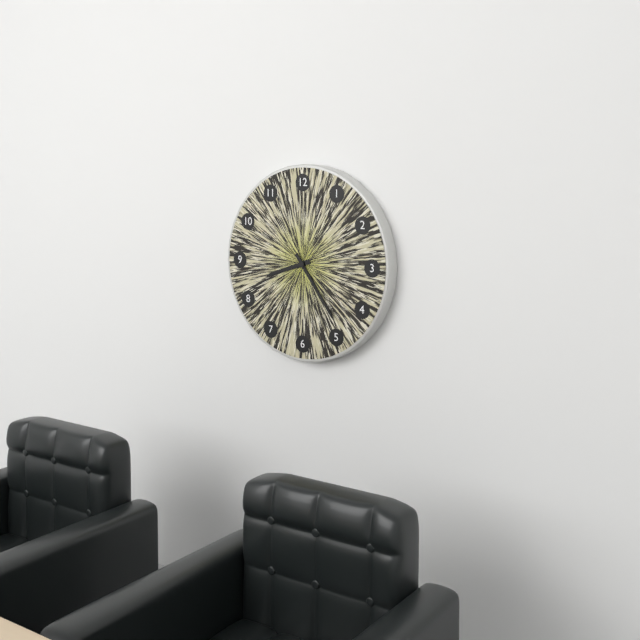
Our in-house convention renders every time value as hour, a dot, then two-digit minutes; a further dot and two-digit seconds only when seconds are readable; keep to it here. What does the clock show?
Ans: 8.24
